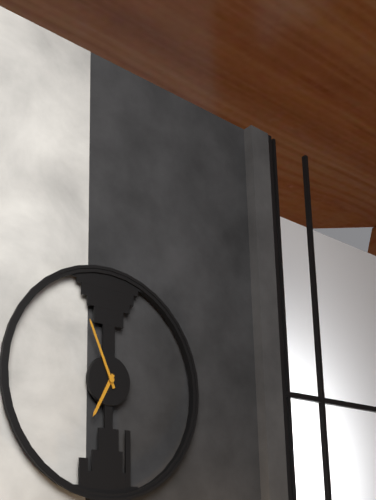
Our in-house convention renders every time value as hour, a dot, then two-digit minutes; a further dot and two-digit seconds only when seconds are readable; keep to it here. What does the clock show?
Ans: 6.56
